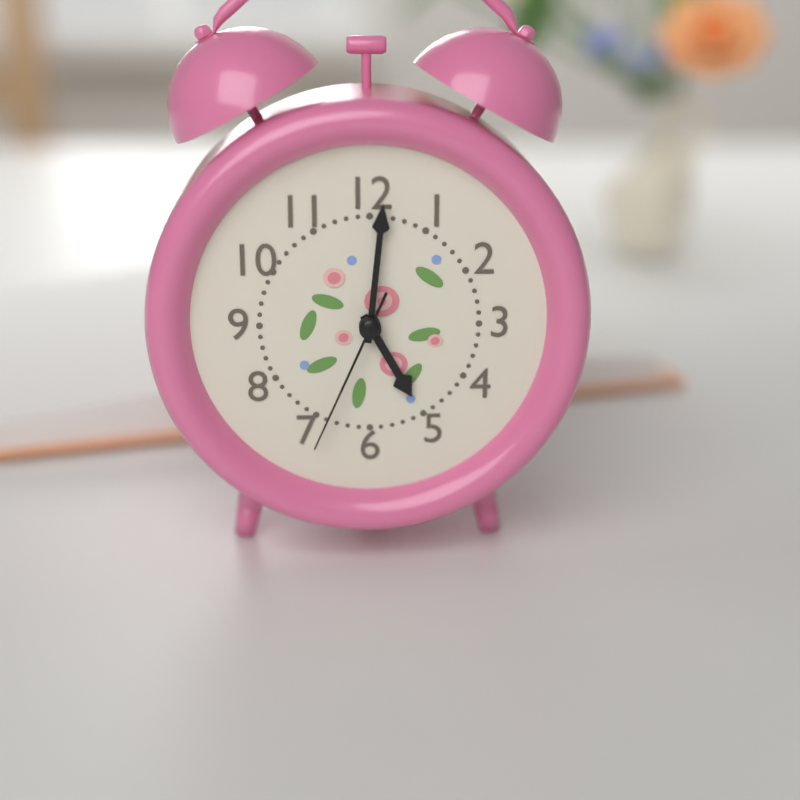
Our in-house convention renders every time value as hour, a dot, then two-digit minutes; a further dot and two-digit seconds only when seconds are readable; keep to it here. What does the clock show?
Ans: 5.01.34
